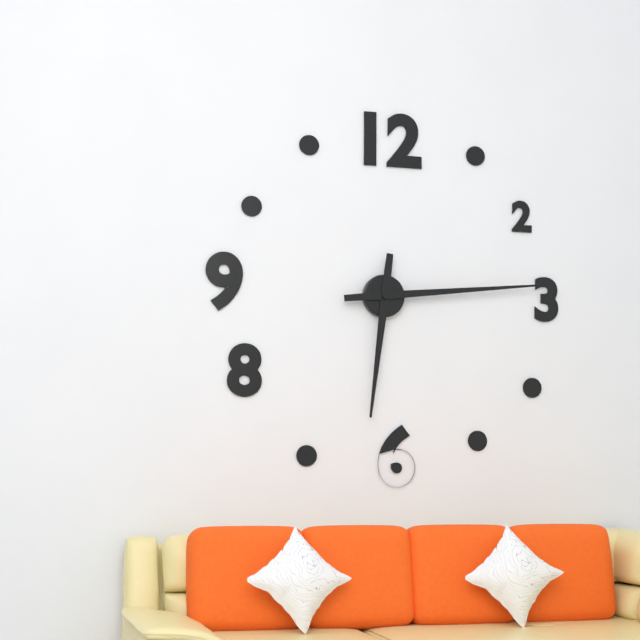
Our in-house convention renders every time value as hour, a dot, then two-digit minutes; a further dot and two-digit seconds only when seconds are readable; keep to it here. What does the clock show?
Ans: 6.14
